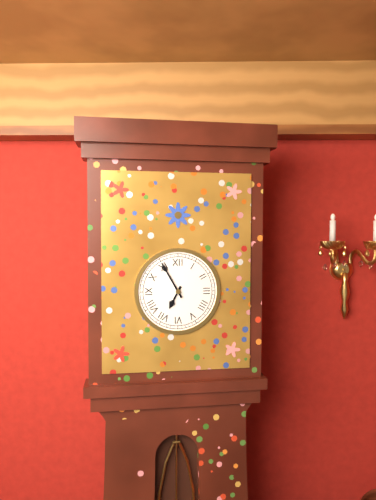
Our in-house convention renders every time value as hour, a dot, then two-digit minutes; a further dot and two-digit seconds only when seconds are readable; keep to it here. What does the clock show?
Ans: 6.55
